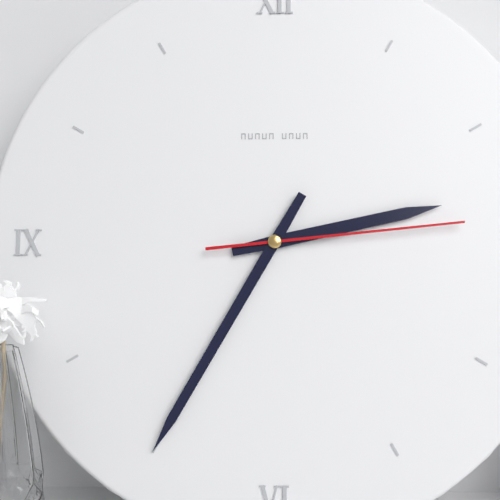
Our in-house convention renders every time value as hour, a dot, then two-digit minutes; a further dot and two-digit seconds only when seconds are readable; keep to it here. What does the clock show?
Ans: 2.35.14
